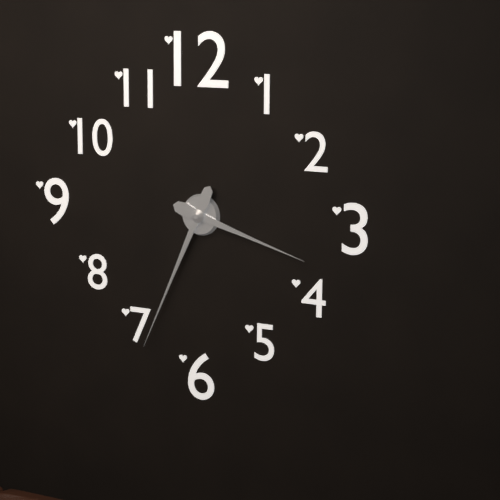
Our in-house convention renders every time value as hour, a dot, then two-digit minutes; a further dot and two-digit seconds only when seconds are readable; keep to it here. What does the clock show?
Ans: 3.34
